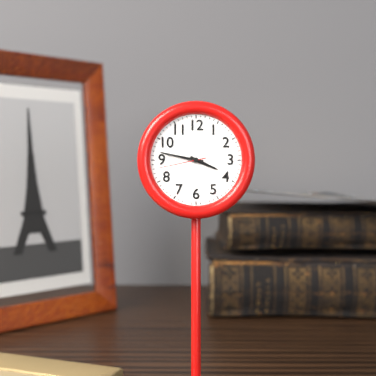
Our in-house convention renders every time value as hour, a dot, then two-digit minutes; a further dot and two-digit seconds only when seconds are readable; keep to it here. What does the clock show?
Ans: 3.47.43
